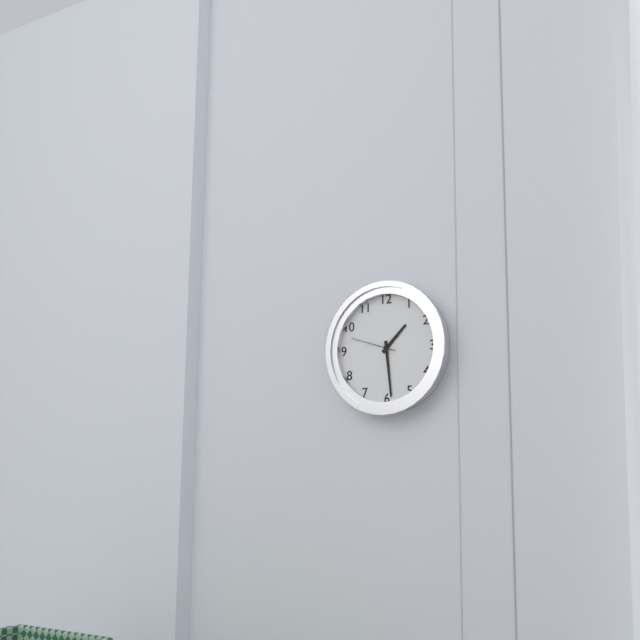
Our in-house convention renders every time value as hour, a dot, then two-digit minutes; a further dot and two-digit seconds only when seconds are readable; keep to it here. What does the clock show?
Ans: 1.29
